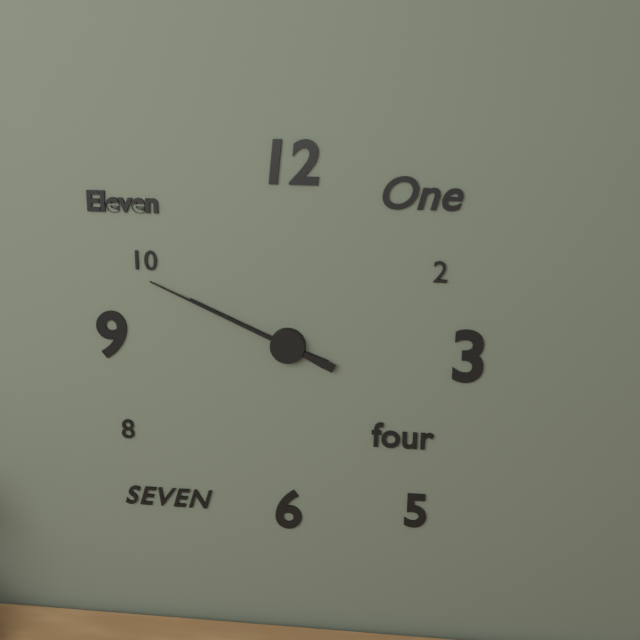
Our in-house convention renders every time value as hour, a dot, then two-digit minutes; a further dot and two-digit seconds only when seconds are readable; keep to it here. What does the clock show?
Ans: 9.49
